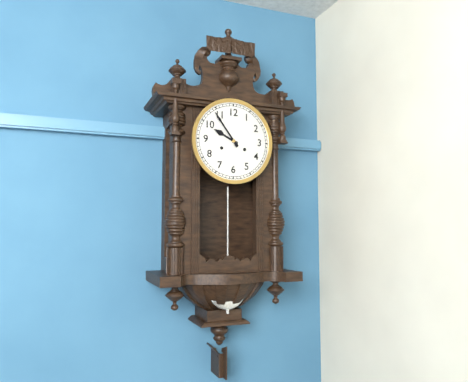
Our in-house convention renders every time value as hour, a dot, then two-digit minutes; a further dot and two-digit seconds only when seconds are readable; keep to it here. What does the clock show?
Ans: 9.54
